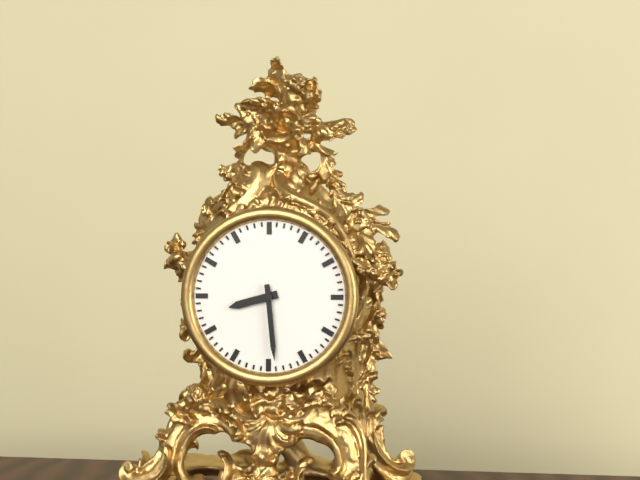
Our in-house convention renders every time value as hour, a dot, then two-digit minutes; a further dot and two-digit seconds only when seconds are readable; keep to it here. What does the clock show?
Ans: 8.29
